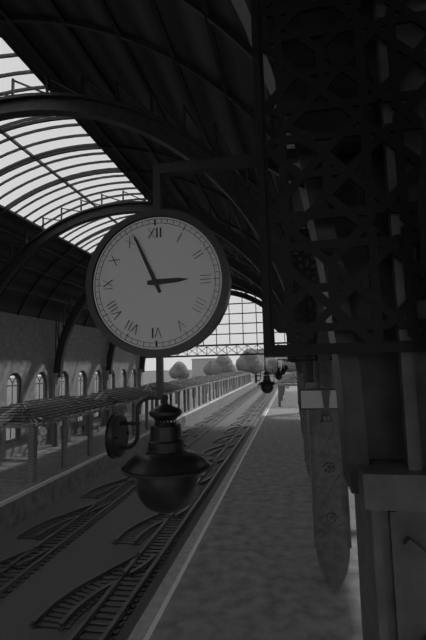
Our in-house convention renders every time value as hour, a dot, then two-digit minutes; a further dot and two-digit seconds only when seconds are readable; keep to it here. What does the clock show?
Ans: 2.56
